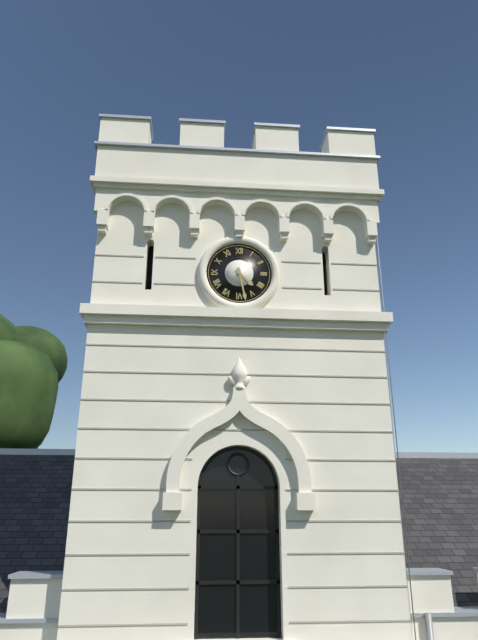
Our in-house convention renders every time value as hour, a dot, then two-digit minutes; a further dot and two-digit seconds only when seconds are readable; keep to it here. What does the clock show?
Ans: 4.28
